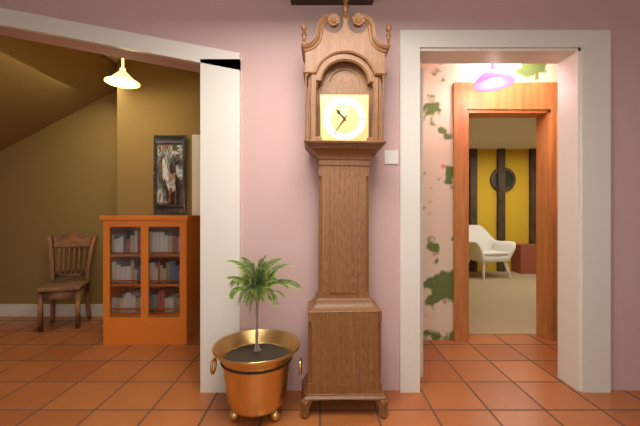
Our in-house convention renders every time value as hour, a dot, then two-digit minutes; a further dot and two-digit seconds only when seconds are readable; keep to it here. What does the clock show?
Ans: 10.36
